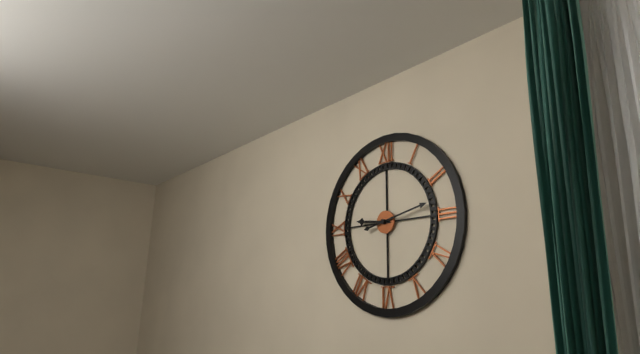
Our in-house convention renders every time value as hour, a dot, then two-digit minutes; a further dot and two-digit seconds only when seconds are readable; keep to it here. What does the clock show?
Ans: 9.13
